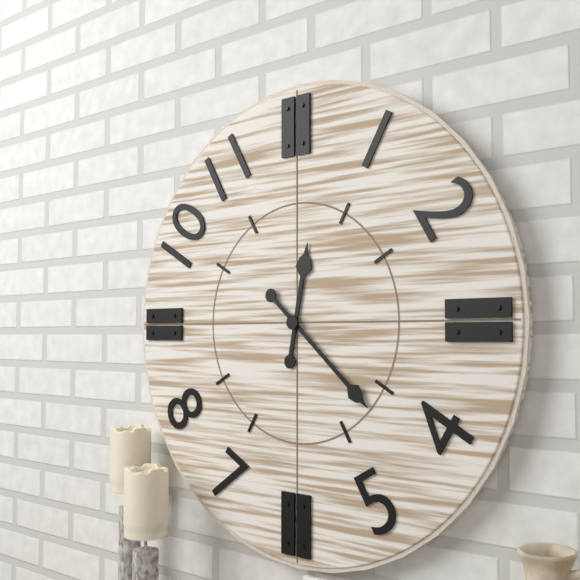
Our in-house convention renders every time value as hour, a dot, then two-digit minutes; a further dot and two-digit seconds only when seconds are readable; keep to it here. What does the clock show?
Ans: 12.22
